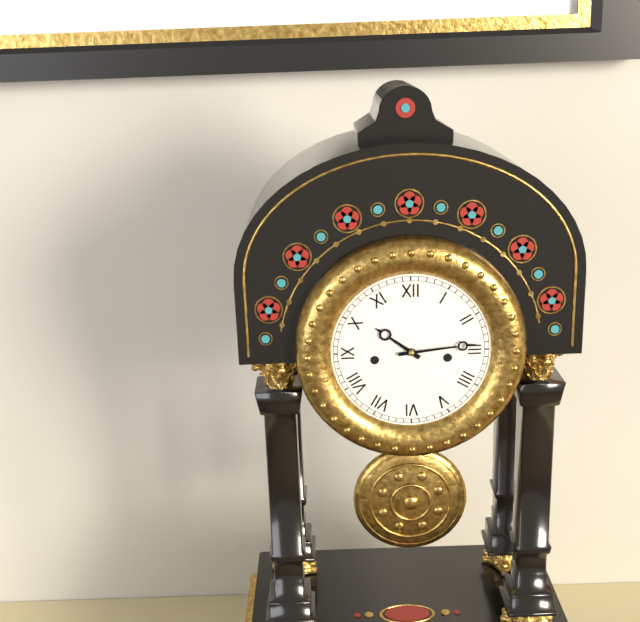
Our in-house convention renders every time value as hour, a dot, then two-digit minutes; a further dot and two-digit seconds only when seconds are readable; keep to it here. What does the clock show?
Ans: 10.14
